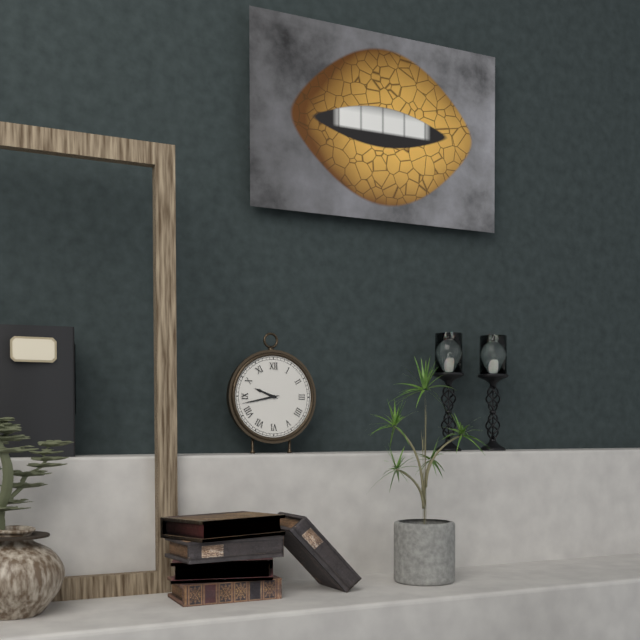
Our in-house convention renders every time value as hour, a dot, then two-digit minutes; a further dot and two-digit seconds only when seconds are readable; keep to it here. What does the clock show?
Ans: 9.43
